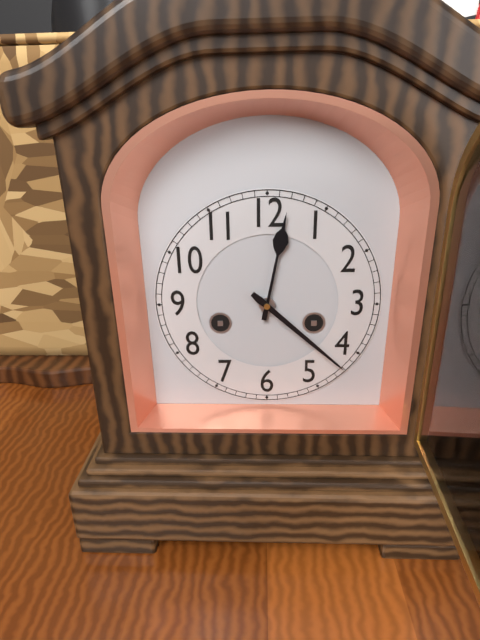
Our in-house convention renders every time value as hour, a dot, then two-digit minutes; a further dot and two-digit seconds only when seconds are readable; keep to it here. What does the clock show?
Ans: 12.22
